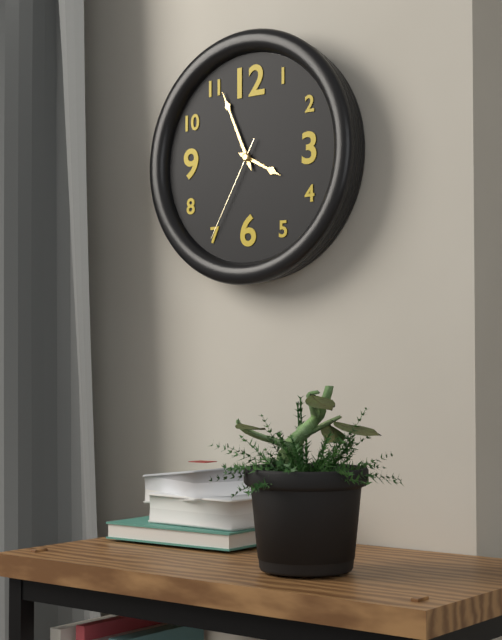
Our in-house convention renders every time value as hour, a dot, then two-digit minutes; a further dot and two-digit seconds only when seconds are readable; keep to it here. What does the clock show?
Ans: 3.56.35
